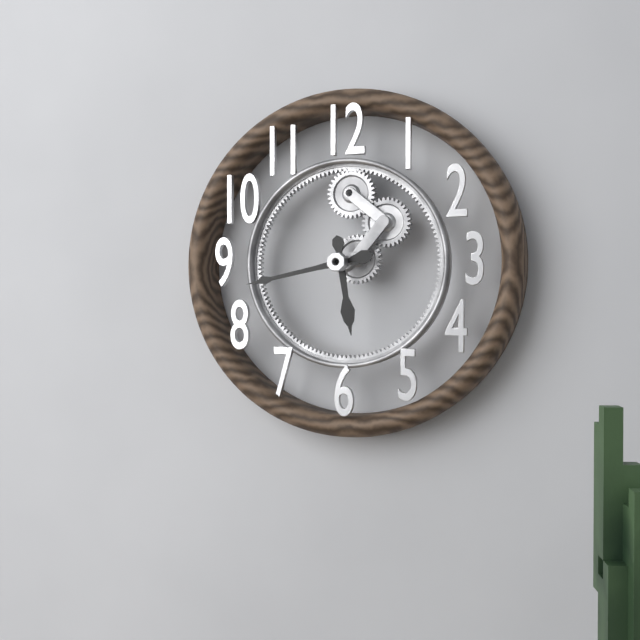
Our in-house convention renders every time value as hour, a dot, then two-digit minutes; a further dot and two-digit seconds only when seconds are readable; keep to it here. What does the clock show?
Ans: 5.43
